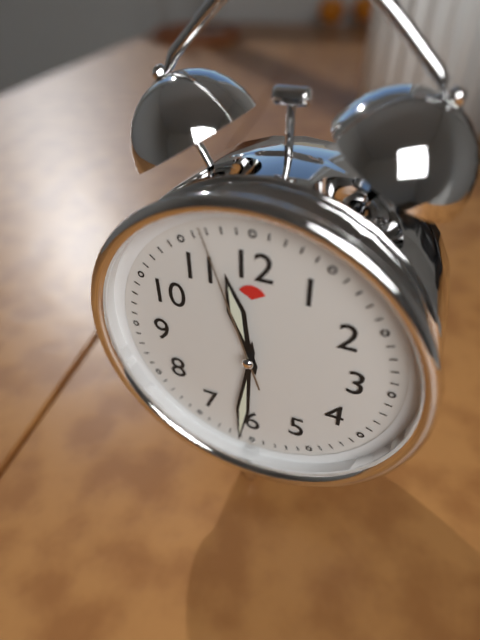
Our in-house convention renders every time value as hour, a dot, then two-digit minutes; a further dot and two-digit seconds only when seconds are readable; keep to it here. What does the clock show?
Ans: 11.31.57
